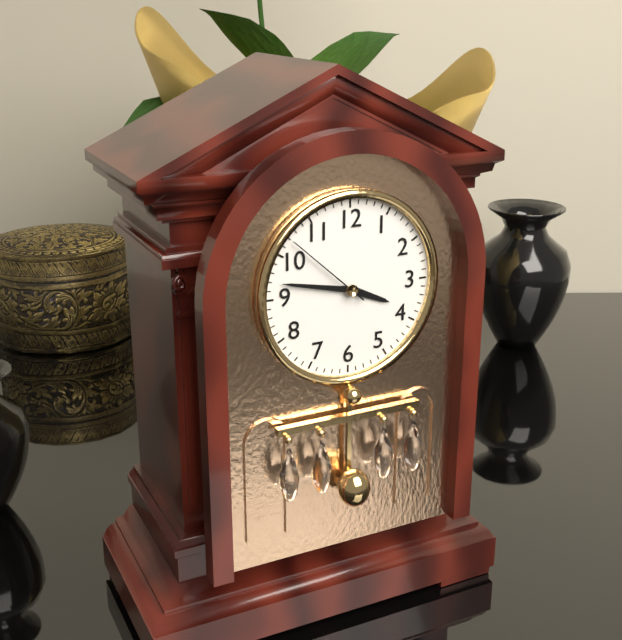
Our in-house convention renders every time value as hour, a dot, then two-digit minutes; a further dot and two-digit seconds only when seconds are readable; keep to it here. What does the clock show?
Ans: 3.47.52
